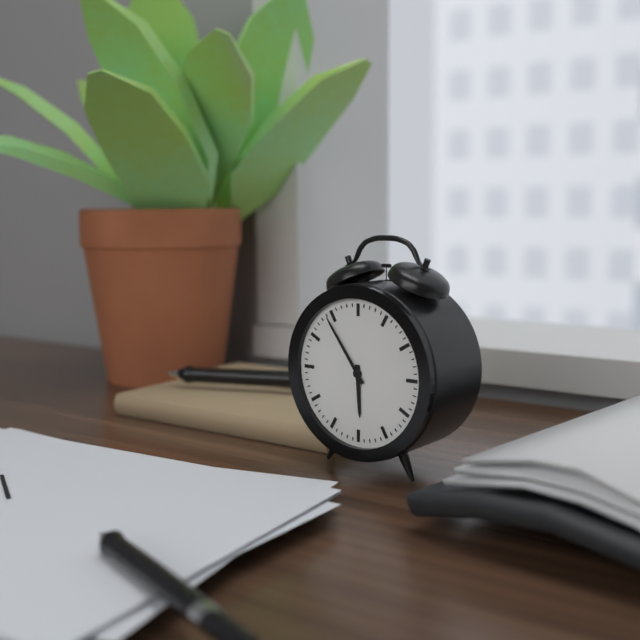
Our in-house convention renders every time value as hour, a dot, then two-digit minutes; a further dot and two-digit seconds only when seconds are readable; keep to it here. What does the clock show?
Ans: 5.54
